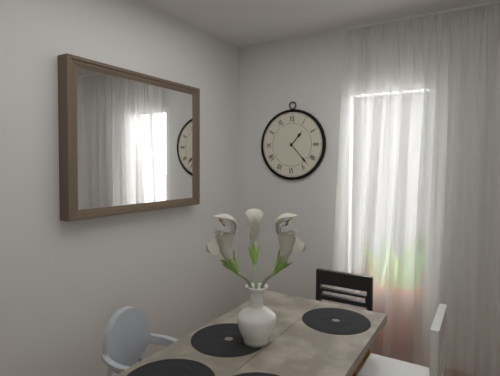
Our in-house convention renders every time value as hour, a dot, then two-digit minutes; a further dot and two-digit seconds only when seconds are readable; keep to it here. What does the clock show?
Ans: 1.23
